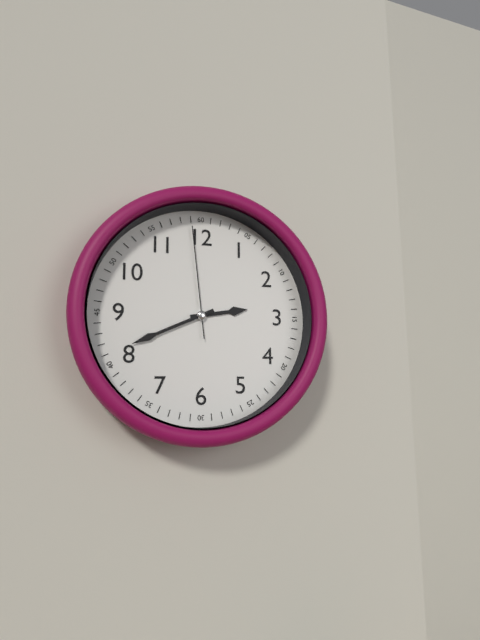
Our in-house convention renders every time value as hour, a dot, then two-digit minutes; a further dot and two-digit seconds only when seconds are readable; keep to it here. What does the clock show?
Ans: 2.41.59
